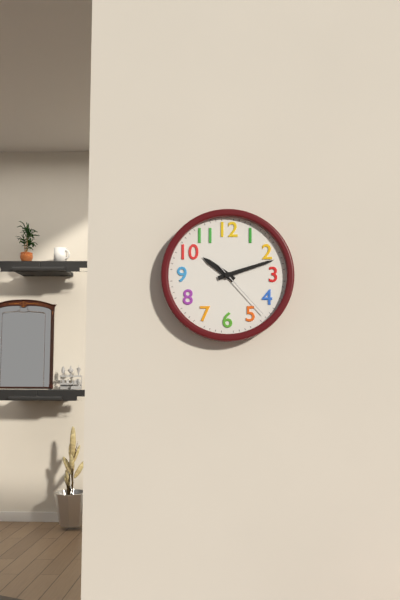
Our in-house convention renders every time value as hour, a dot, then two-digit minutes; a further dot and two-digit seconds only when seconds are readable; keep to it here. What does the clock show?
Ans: 10.12.23
